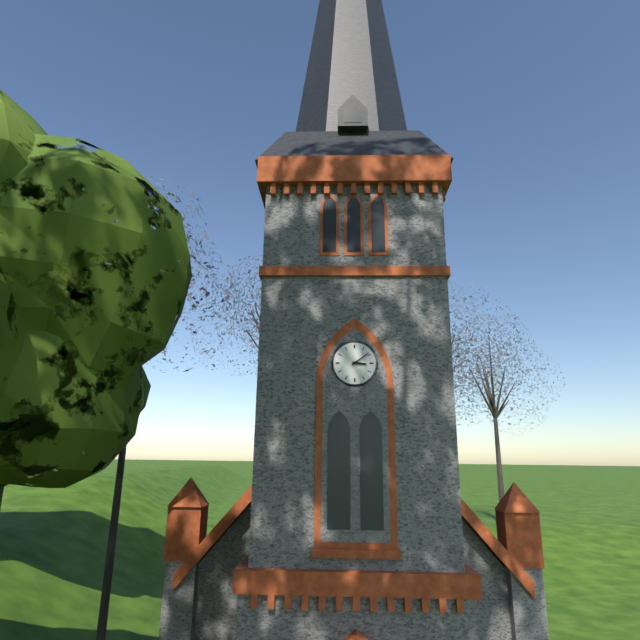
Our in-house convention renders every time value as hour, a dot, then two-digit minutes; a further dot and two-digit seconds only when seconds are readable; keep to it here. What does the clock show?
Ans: 3.09
